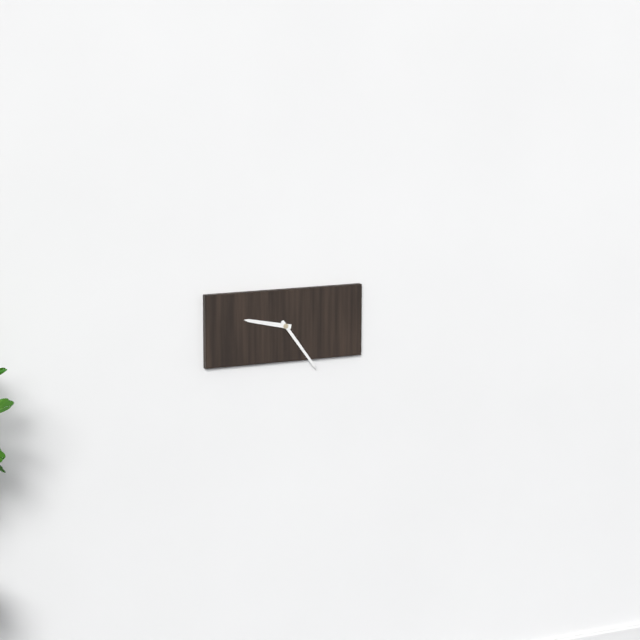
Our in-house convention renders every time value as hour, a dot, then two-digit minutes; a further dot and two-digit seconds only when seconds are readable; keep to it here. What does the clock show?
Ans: 9.24
